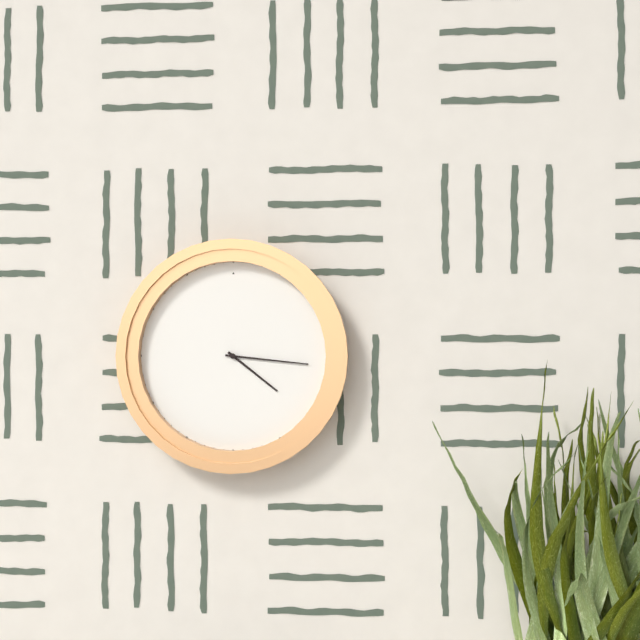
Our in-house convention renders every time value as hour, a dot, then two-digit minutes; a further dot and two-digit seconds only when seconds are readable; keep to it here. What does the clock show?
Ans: 4.16
